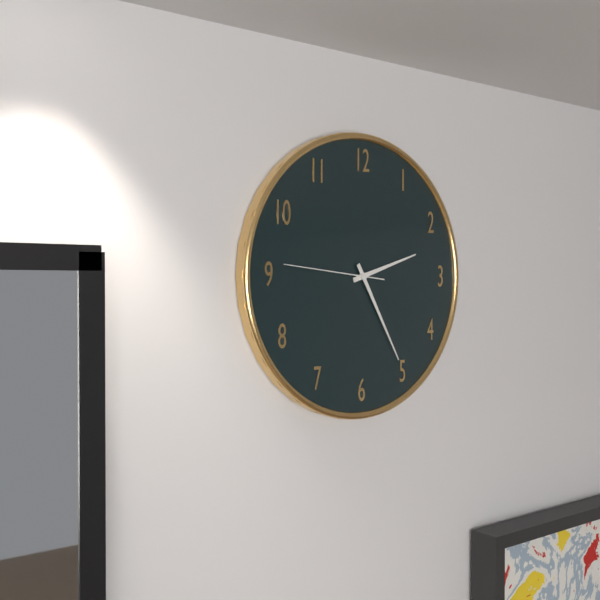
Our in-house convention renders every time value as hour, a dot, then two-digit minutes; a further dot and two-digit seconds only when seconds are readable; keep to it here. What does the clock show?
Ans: 2.25.46
